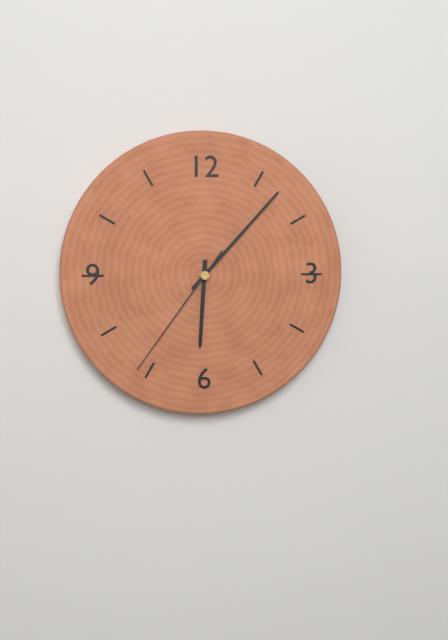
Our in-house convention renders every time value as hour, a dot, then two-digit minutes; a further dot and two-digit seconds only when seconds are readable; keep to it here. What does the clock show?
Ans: 6.07.36
